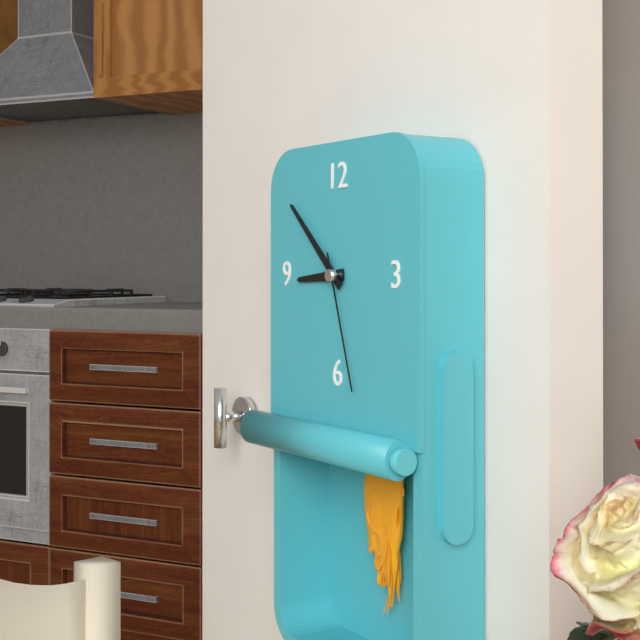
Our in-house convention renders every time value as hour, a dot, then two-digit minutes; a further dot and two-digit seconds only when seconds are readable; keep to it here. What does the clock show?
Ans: 8.52.27
